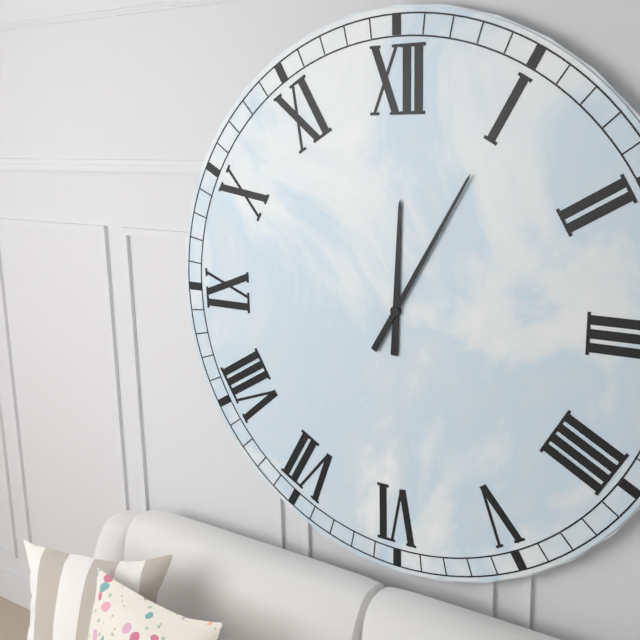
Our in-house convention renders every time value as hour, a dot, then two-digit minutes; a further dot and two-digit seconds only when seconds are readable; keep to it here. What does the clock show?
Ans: 12.05
